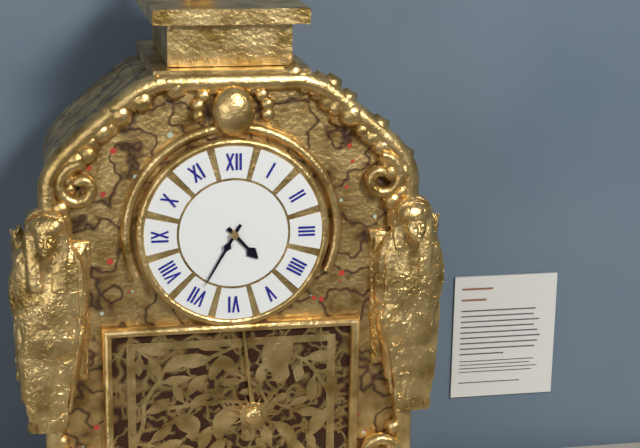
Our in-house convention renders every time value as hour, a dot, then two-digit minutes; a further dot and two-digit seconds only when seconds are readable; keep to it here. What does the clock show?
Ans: 4.35
